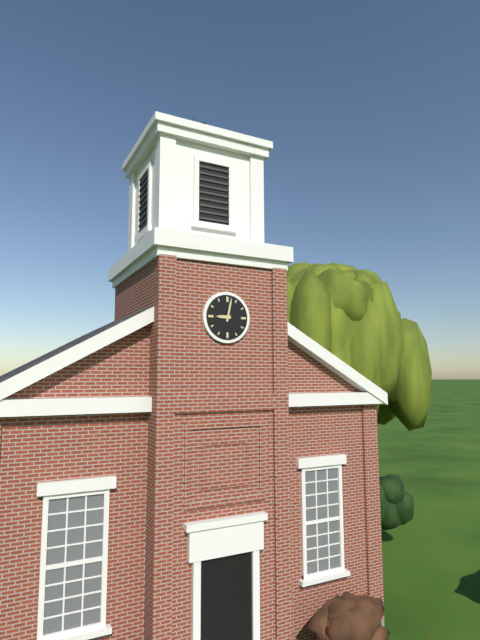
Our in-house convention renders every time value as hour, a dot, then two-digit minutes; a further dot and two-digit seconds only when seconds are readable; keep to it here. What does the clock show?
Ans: 9.02
